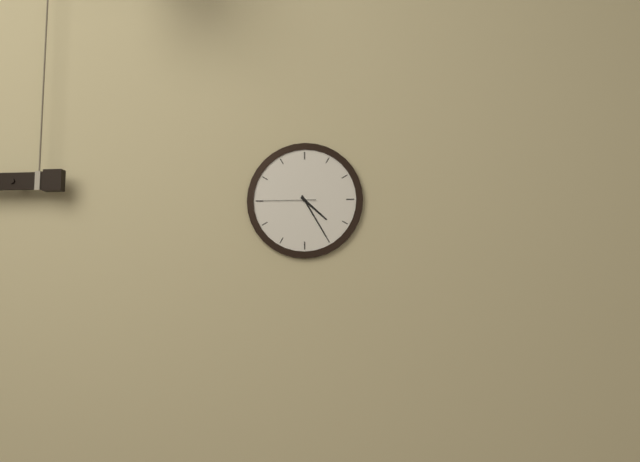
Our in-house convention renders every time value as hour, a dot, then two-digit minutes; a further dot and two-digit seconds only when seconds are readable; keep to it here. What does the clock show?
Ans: 4.25.45
